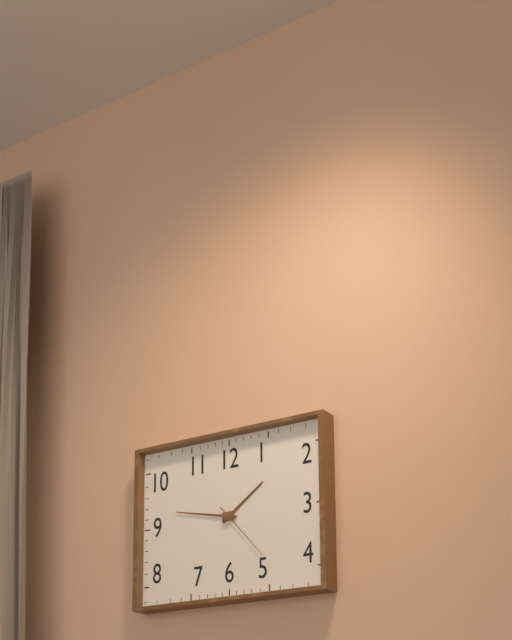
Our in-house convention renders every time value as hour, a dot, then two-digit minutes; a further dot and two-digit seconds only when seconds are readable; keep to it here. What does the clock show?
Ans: 1.47.23
